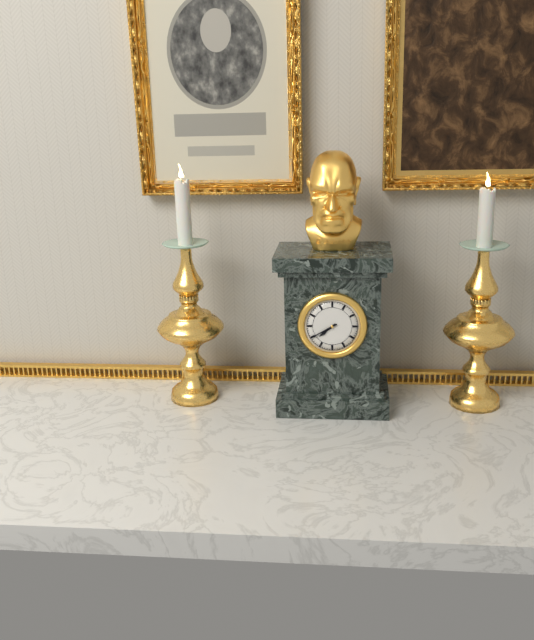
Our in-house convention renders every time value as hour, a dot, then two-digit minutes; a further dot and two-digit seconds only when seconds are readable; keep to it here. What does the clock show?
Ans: 7.40
